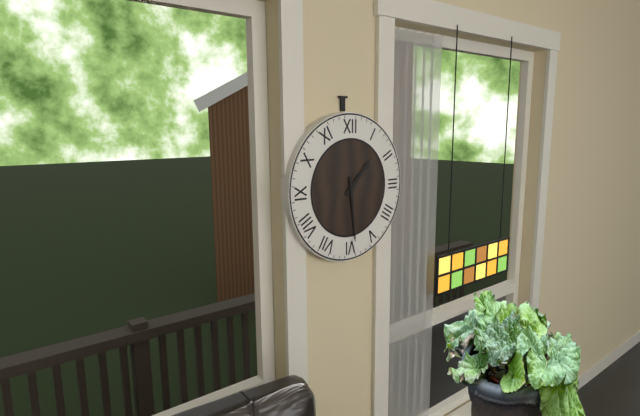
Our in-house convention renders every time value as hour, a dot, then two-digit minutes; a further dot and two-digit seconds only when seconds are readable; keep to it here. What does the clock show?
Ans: 1.29
